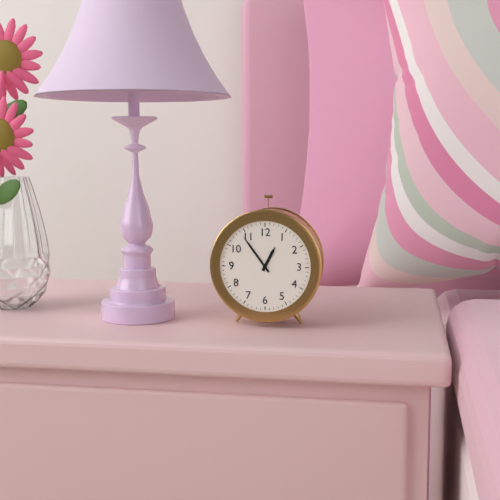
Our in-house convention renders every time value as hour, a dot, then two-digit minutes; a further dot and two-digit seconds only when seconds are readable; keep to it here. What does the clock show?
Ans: 12.54
